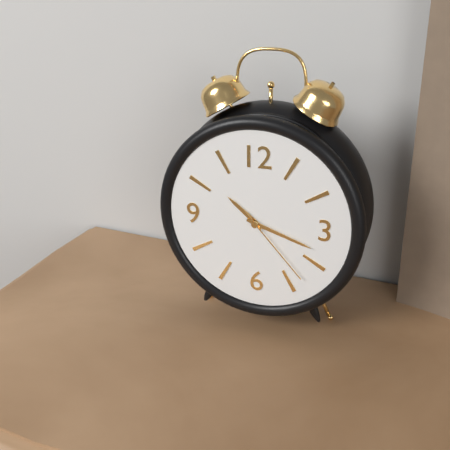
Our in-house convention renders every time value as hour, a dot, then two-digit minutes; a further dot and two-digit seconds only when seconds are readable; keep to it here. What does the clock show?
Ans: 10.18.23
